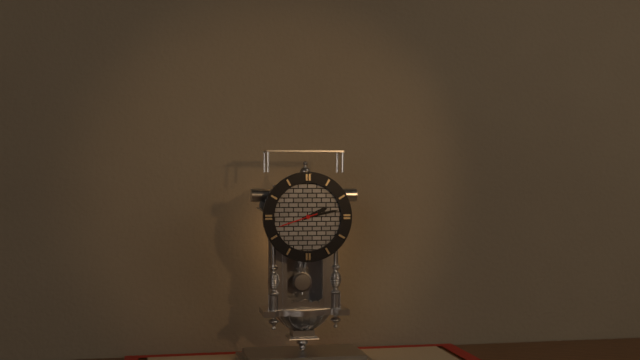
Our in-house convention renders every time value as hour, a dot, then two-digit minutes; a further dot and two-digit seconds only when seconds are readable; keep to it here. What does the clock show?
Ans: 2.13
